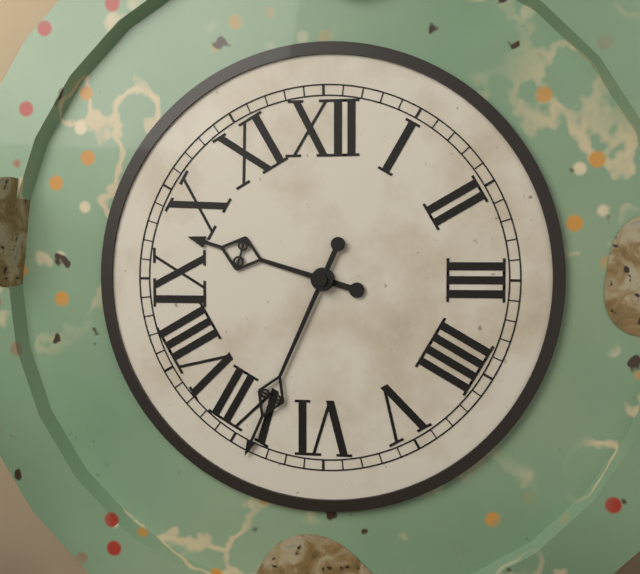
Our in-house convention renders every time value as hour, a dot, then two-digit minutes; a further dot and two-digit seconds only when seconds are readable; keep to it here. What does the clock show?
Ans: 9.34
